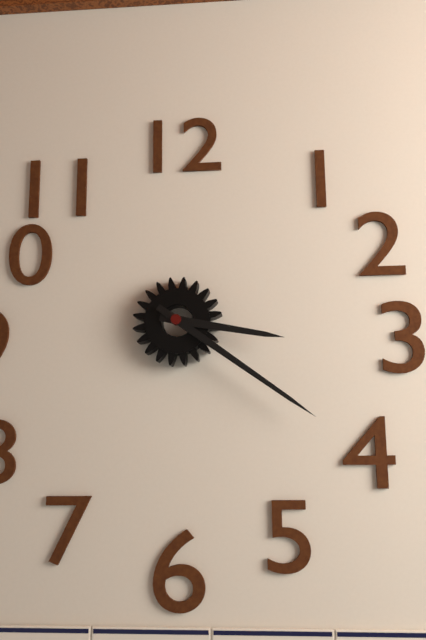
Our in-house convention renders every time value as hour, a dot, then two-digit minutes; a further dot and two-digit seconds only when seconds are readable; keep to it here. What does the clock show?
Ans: 3.21
